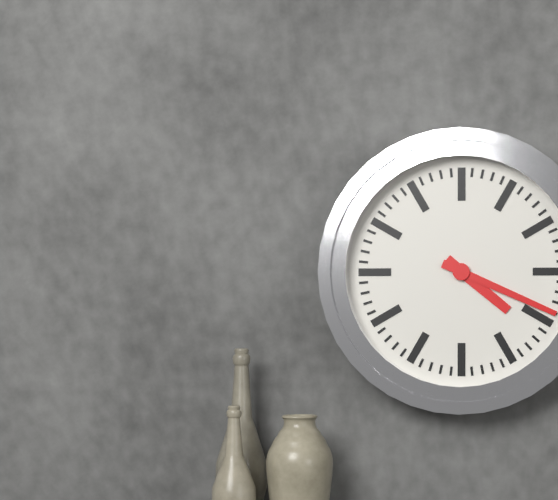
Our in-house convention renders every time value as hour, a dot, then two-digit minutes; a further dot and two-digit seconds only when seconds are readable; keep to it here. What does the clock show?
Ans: 4.19
